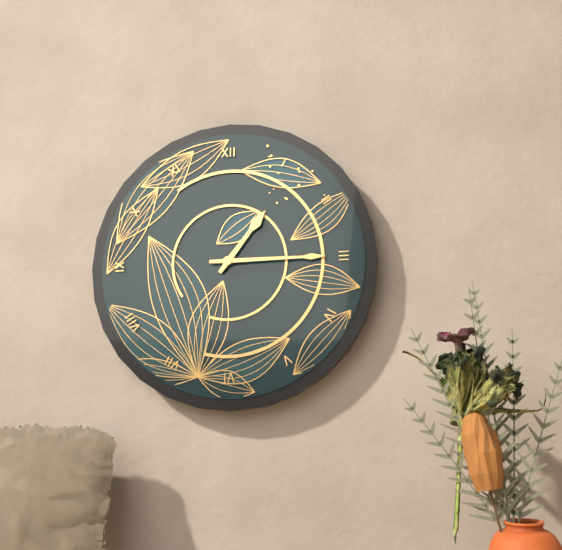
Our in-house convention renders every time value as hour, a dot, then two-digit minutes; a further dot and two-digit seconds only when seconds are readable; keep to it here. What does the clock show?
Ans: 1.15
